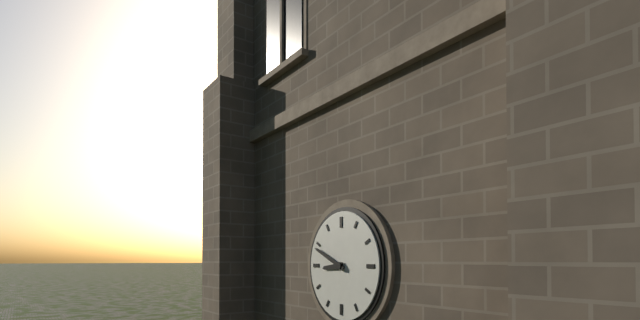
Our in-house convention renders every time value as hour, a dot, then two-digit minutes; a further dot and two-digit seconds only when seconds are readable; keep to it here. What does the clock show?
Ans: 8.49
